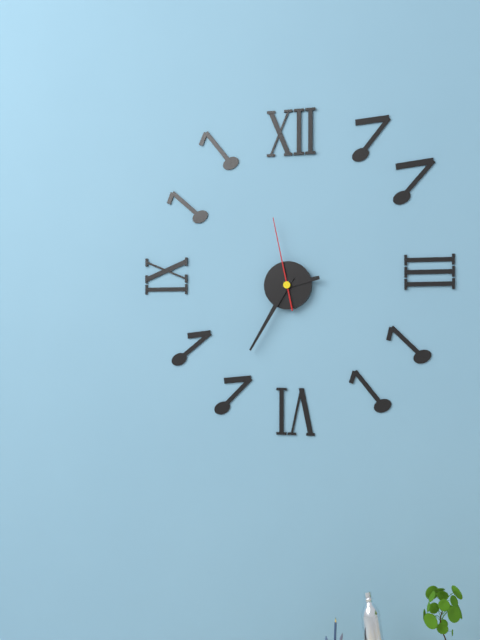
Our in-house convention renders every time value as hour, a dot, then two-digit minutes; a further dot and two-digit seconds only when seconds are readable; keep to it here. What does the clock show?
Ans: 2.35.58
